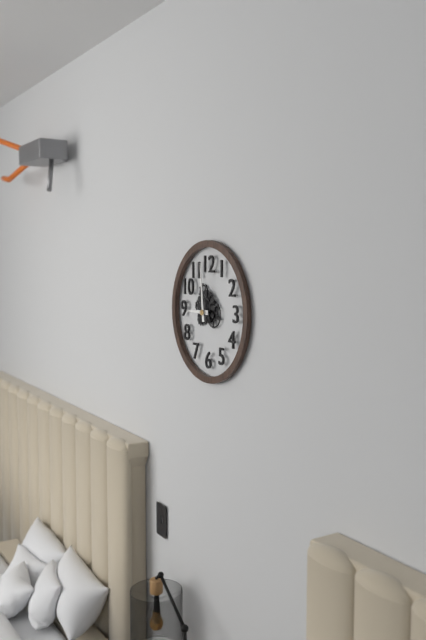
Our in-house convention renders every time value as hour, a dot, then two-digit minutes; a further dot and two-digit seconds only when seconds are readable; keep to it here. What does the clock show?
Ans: 8.59
